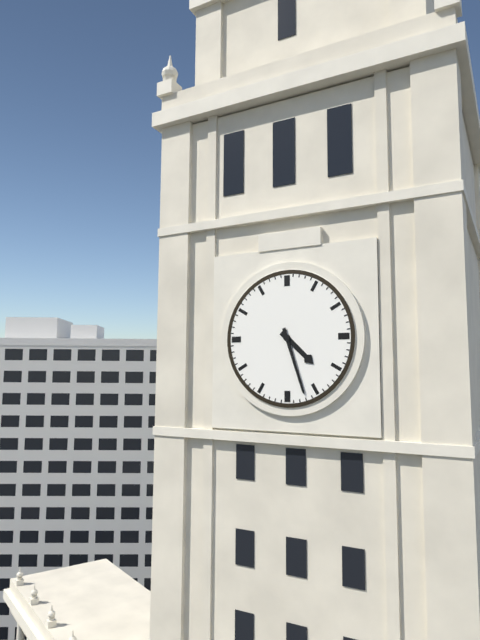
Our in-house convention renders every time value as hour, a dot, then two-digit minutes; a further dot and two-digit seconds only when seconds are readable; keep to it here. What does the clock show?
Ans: 4.27
